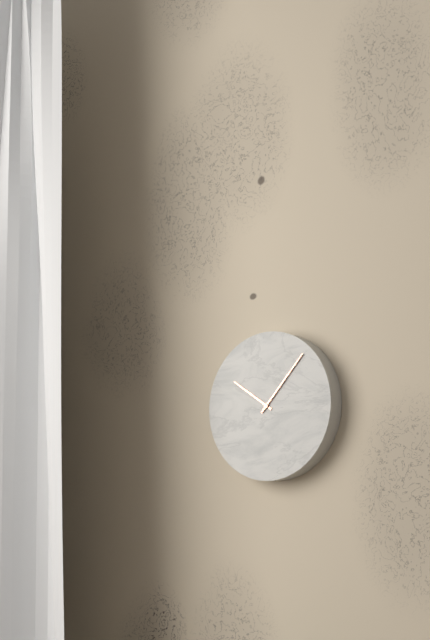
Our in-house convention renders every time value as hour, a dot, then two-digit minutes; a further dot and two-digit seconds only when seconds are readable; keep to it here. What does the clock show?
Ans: 10.07
